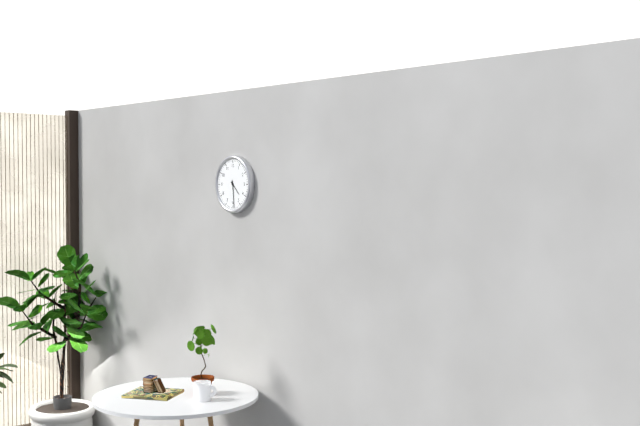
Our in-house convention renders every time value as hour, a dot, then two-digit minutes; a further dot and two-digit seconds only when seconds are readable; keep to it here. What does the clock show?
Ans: 4.29
